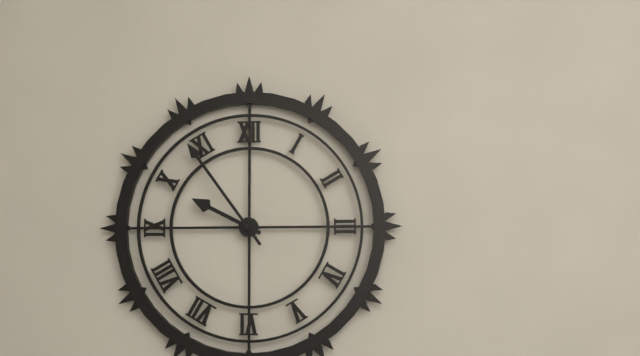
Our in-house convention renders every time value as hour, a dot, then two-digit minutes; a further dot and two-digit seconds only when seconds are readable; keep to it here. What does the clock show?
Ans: 9.54
